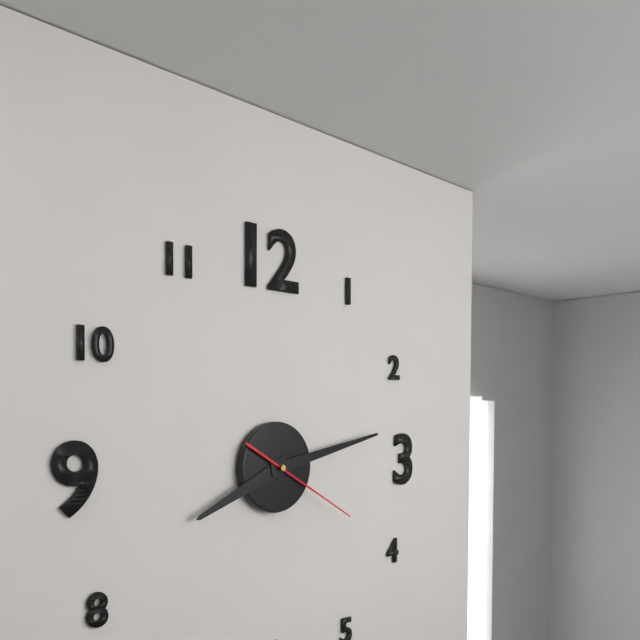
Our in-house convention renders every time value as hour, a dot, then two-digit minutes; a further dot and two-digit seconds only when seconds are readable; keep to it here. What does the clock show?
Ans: 8.13.20
